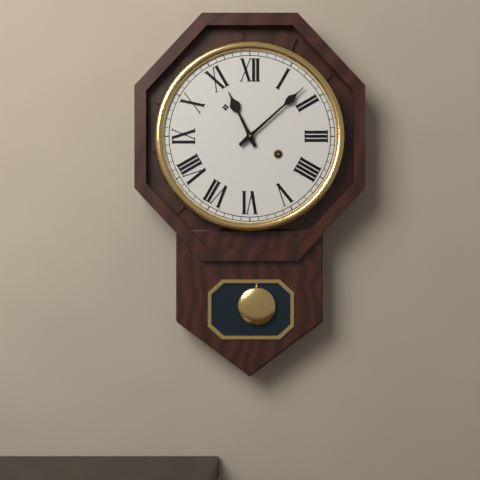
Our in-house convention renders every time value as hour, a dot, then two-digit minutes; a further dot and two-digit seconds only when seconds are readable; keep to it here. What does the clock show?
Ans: 11.08
